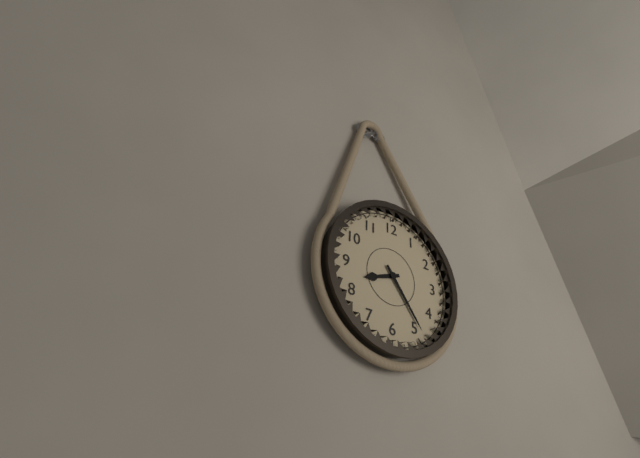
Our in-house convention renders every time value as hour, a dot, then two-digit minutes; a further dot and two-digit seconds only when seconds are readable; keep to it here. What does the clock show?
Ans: 8.24
